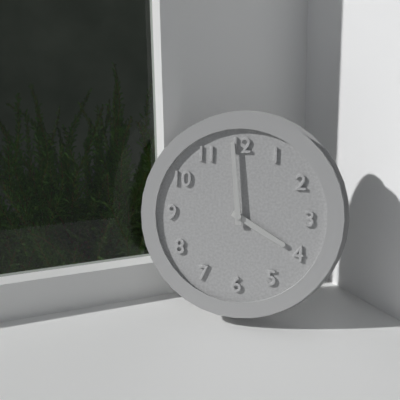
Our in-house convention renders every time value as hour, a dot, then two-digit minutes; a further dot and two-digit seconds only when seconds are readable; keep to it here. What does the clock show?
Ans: 3.59
